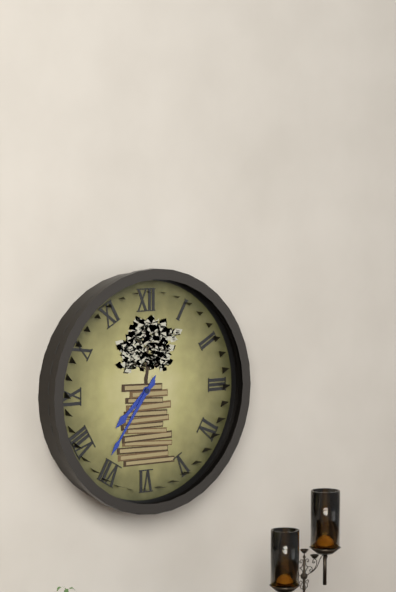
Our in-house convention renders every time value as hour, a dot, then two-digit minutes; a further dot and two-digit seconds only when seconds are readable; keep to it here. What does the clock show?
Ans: 7.36
